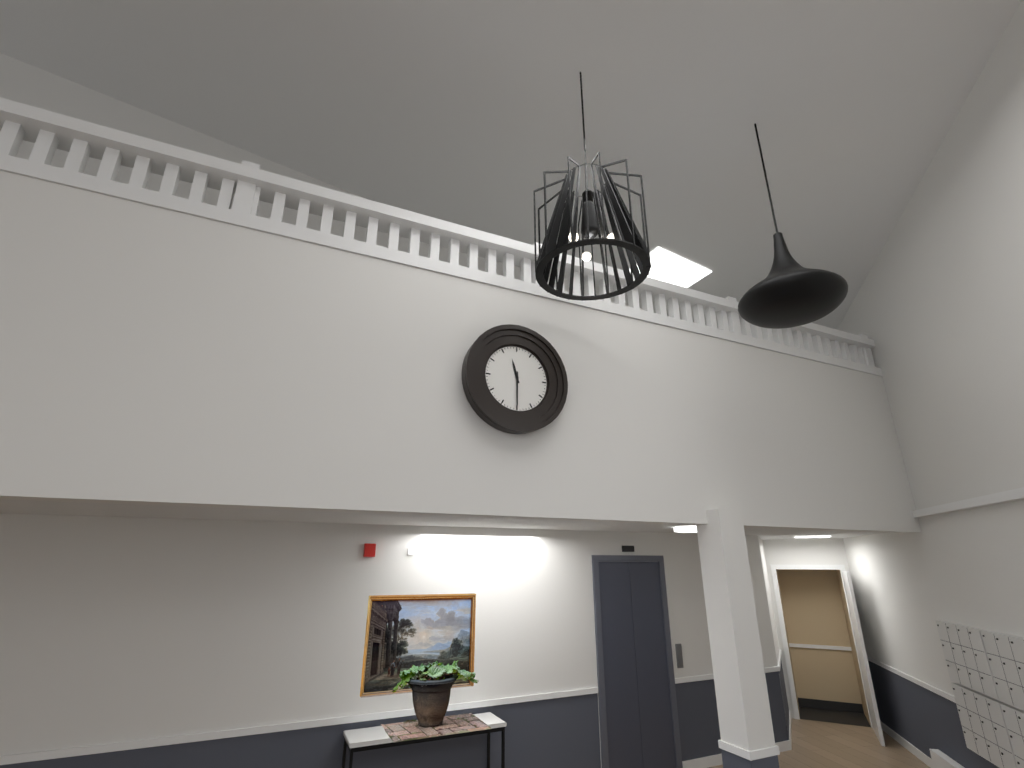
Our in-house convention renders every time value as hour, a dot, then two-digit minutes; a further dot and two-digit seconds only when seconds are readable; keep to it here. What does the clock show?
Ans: 11.30
